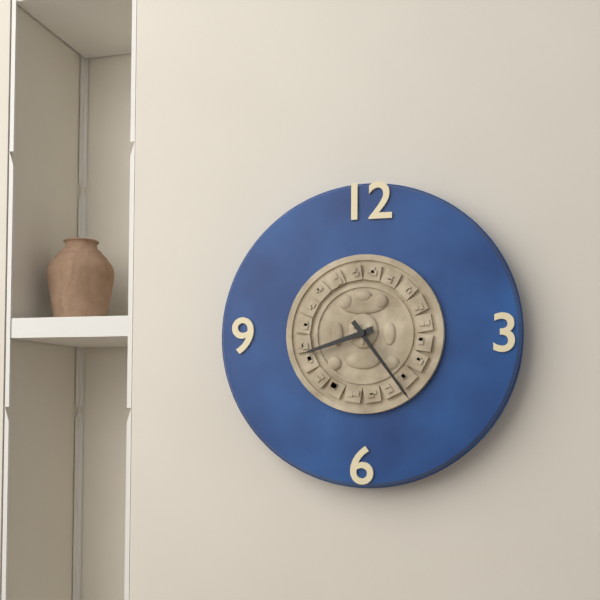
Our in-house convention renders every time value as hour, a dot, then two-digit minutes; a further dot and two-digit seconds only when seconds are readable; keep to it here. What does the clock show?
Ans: 8.24
